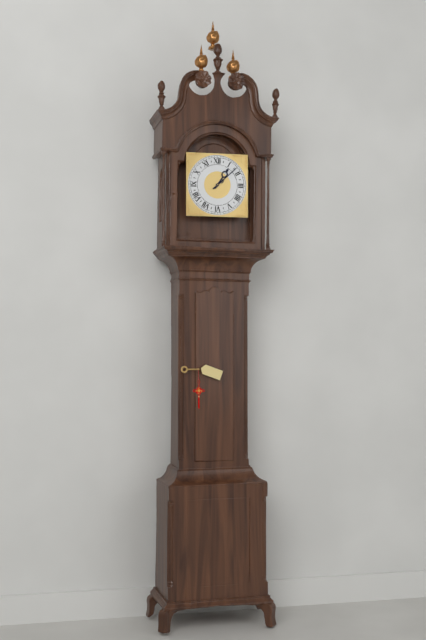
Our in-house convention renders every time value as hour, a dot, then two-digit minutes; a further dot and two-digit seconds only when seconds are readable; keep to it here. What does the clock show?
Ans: 1.08
